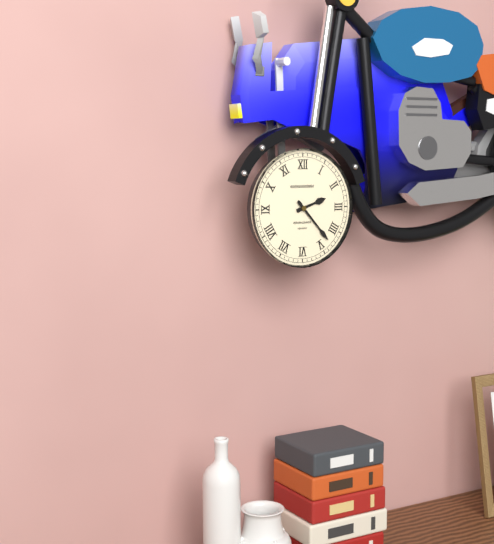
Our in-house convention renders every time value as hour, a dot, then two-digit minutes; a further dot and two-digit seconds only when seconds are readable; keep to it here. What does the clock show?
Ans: 2.23
